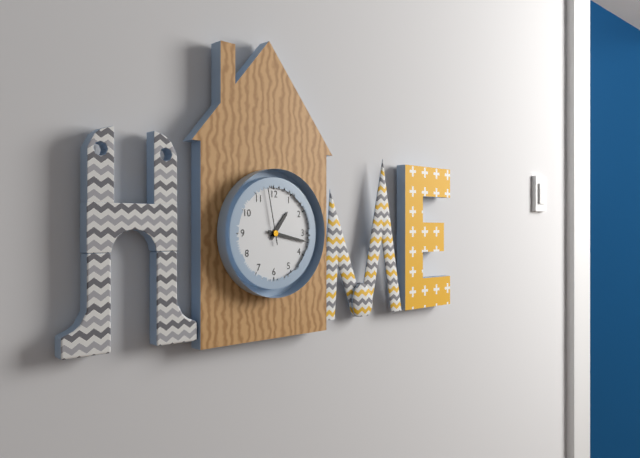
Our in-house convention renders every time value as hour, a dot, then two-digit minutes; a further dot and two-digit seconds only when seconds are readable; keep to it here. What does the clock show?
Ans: 1.17.58
